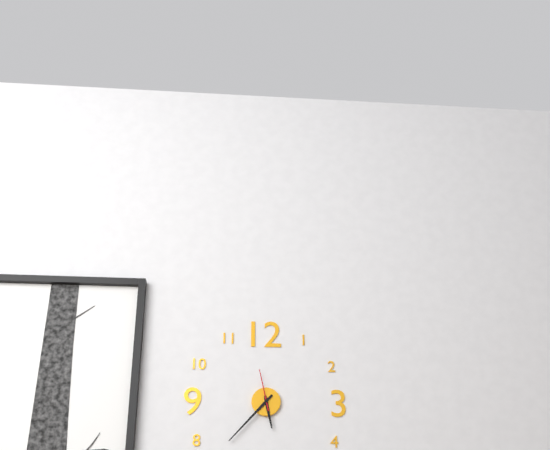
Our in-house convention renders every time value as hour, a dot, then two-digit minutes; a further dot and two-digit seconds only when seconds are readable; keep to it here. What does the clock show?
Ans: 5.37
